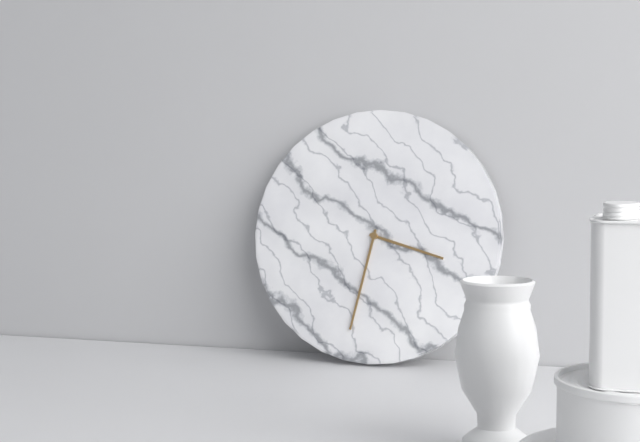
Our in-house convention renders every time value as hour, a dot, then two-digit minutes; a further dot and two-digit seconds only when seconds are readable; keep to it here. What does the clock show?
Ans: 3.32
